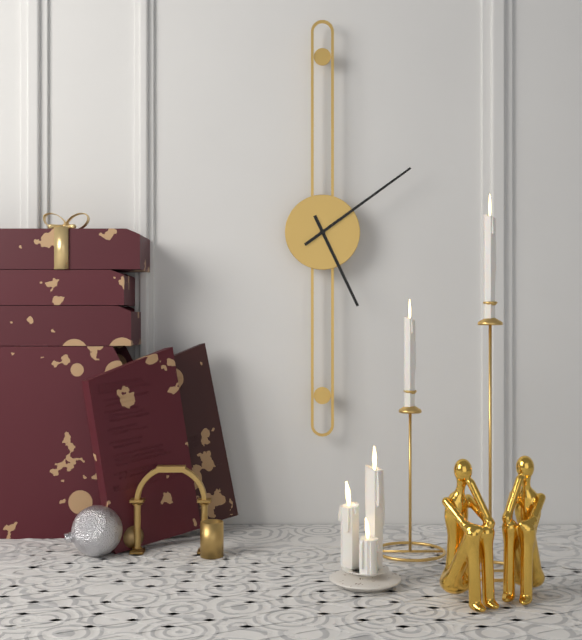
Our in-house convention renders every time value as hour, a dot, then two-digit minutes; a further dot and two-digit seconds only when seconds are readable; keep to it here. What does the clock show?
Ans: 5.09
